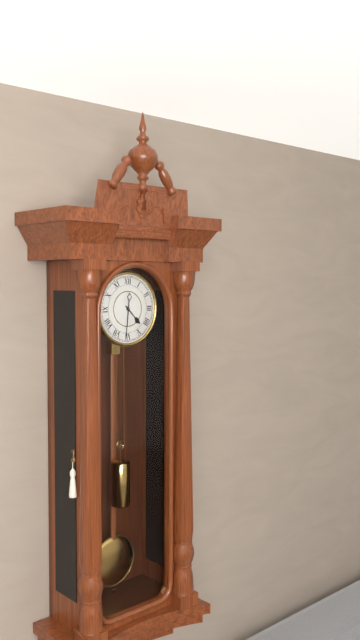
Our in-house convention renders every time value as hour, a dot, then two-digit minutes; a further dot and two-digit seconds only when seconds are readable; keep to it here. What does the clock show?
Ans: 4.31
